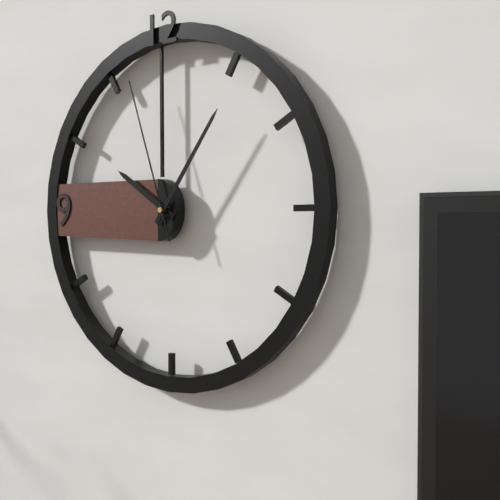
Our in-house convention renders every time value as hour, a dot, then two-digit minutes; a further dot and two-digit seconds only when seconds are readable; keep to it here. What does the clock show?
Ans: 10.06.57
